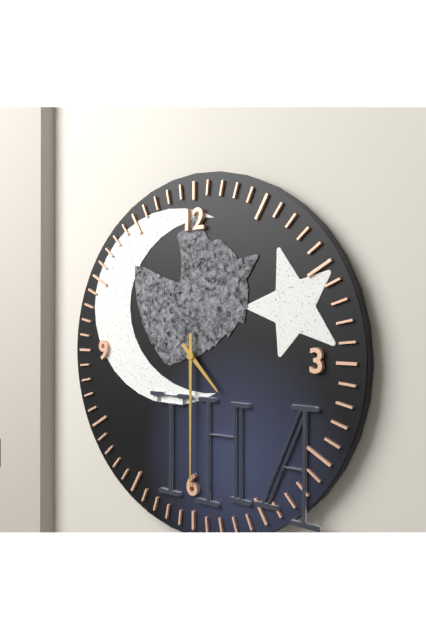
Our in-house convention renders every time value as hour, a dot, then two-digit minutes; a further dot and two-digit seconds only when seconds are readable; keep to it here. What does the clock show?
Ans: 4.30
